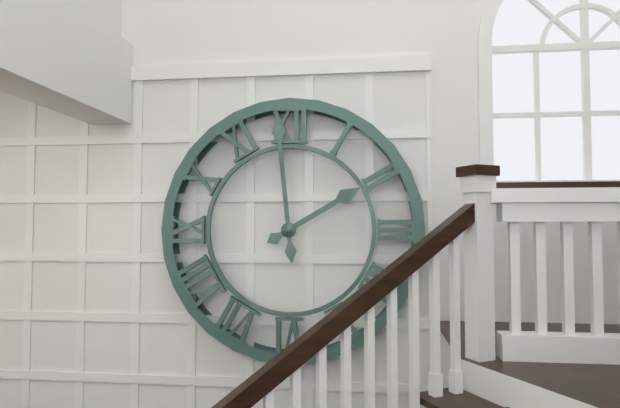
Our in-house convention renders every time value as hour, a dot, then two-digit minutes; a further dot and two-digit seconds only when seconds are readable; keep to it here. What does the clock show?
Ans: 1.59
